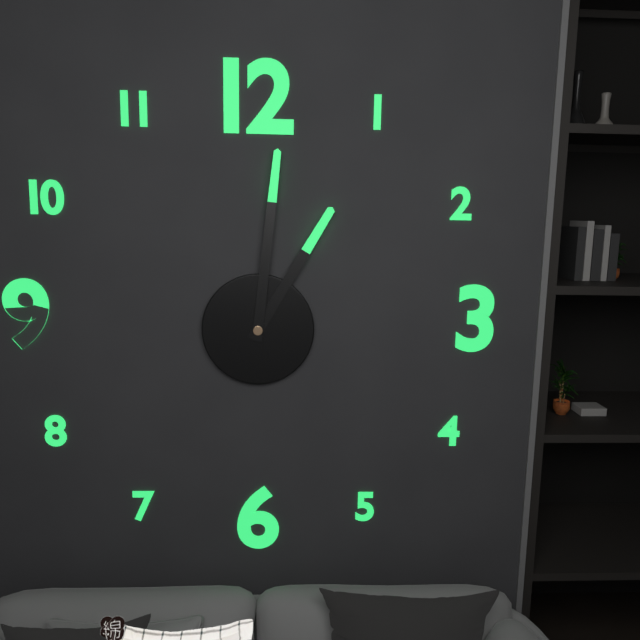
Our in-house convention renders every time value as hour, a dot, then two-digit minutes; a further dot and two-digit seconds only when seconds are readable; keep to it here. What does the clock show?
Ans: 1.01
